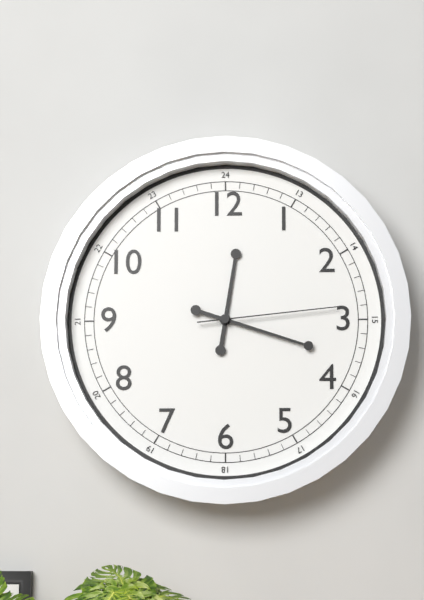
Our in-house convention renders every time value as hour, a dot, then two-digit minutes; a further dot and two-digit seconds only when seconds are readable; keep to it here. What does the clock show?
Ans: 12.18.14
